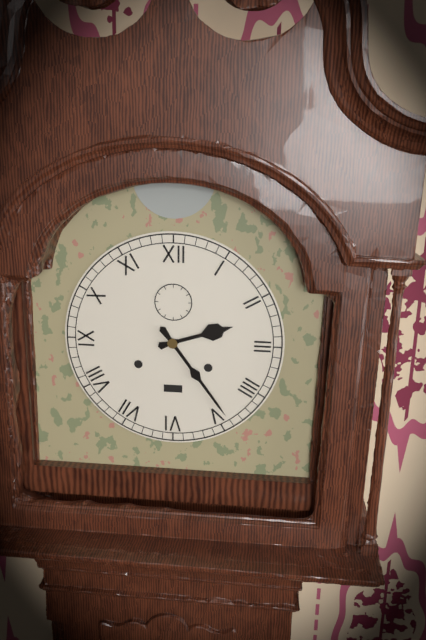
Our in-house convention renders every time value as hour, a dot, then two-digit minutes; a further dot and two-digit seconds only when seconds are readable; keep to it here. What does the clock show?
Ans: 2.24
